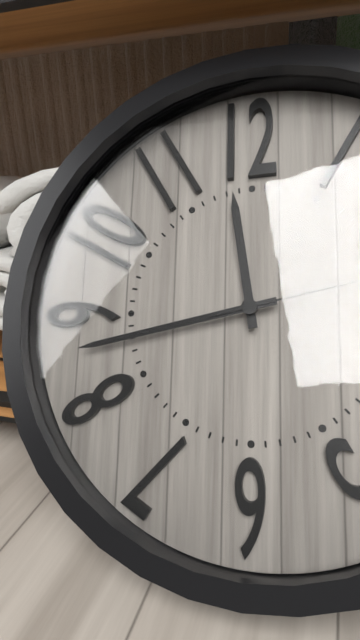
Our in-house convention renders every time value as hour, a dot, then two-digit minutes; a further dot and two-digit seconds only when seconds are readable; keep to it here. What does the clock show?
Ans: 11.43
